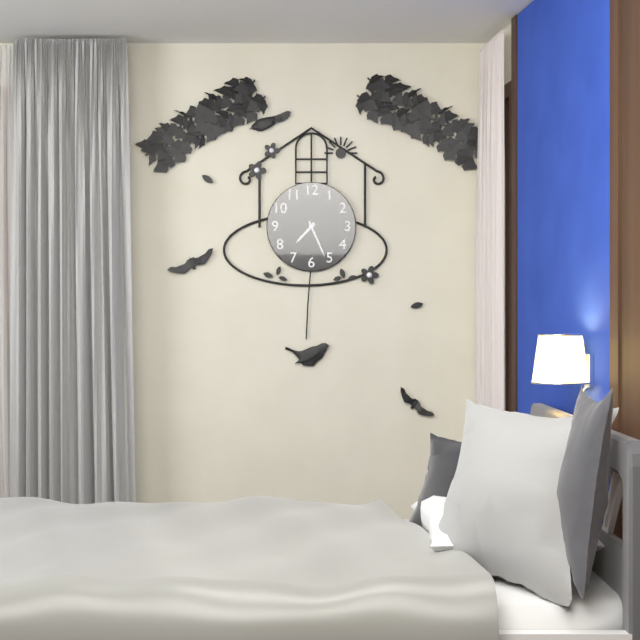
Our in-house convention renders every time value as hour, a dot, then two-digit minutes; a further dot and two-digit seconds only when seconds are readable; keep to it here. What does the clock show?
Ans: 7.26
